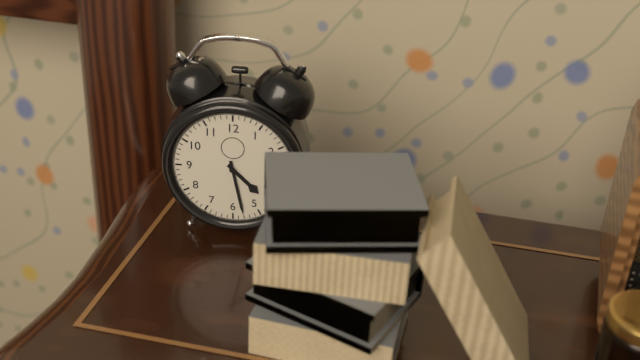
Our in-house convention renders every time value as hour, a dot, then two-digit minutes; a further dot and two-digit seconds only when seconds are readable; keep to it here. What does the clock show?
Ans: 4.28
